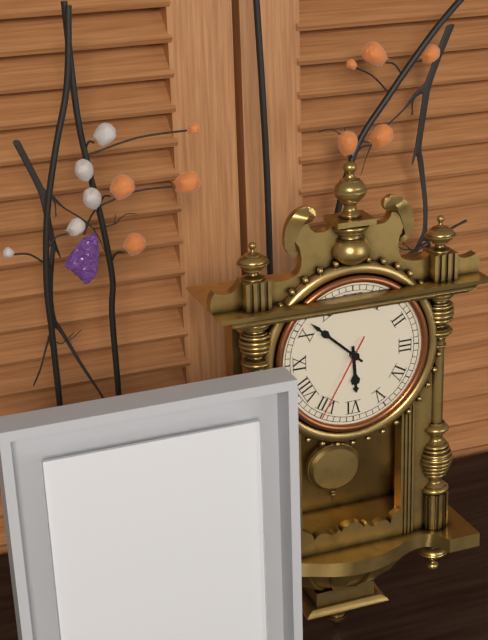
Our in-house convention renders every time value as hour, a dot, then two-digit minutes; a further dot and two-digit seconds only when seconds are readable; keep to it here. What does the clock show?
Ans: 5.52.35
